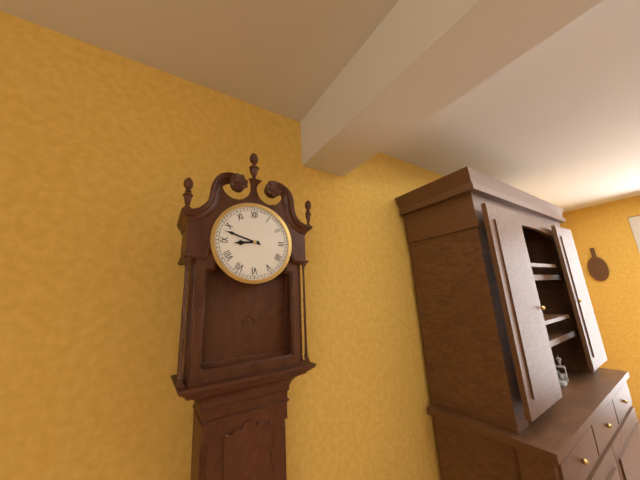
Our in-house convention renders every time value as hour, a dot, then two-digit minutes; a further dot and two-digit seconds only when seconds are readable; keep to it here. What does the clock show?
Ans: 8.48
